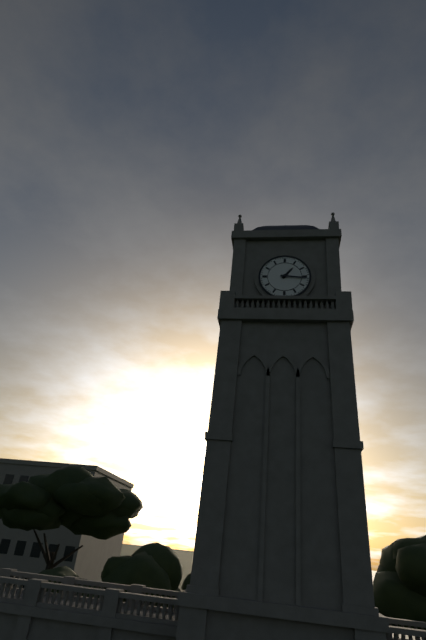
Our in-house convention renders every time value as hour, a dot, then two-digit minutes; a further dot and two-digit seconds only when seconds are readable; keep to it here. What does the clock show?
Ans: 1.16
